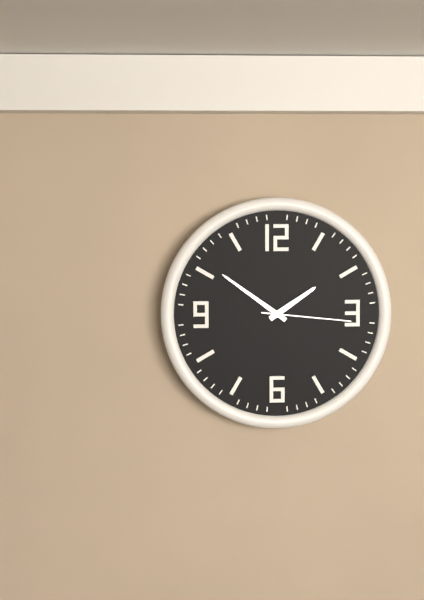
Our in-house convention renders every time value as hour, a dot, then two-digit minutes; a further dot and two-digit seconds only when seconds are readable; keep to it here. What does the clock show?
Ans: 1.51.16
